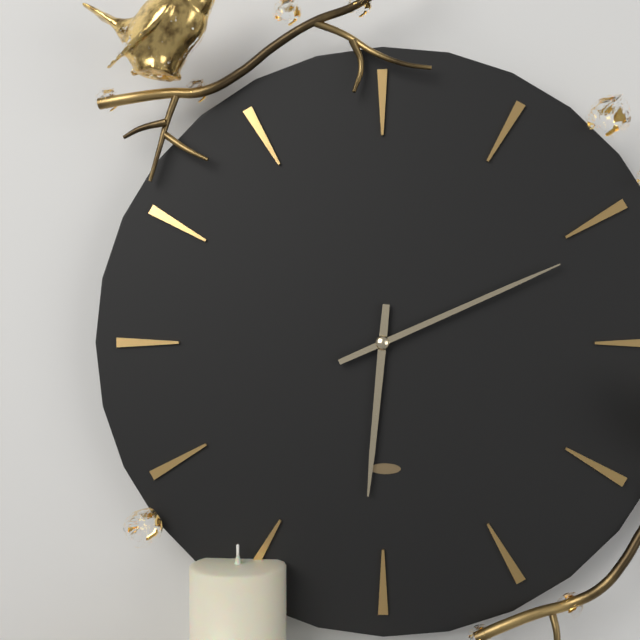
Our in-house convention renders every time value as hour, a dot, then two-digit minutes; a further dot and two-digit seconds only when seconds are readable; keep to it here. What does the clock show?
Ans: 6.11
